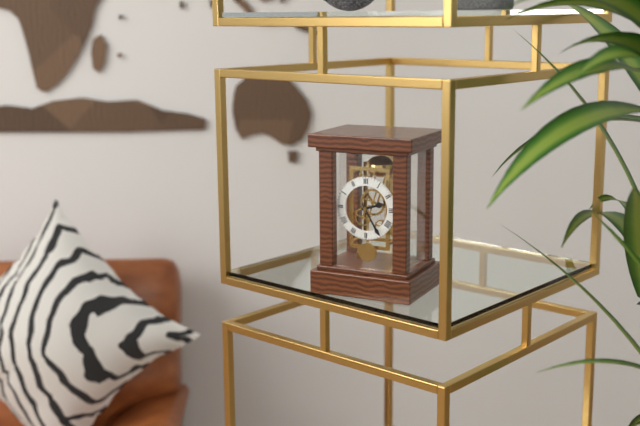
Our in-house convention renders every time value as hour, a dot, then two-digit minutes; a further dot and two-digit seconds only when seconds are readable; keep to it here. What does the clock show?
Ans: 2.25
